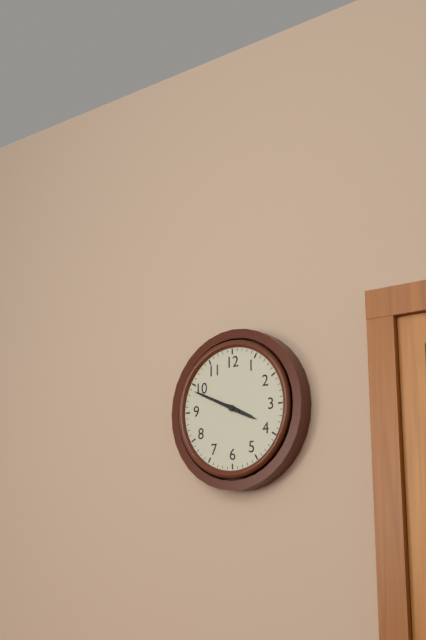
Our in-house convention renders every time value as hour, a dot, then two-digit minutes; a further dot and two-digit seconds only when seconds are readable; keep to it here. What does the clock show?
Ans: 3.49
